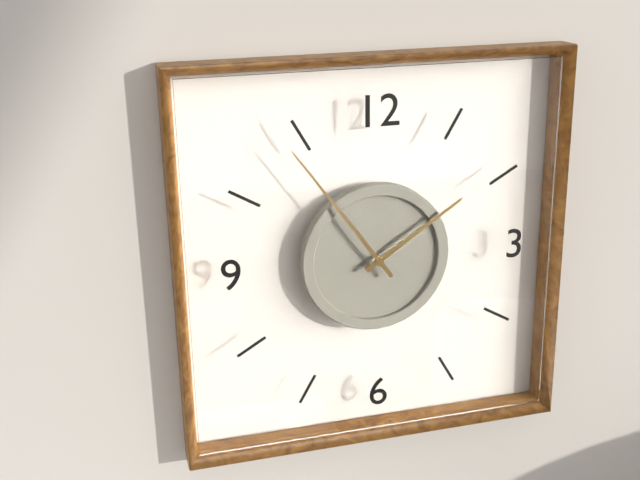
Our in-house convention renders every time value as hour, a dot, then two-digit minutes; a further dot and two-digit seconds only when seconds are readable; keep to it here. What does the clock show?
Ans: 1.54
